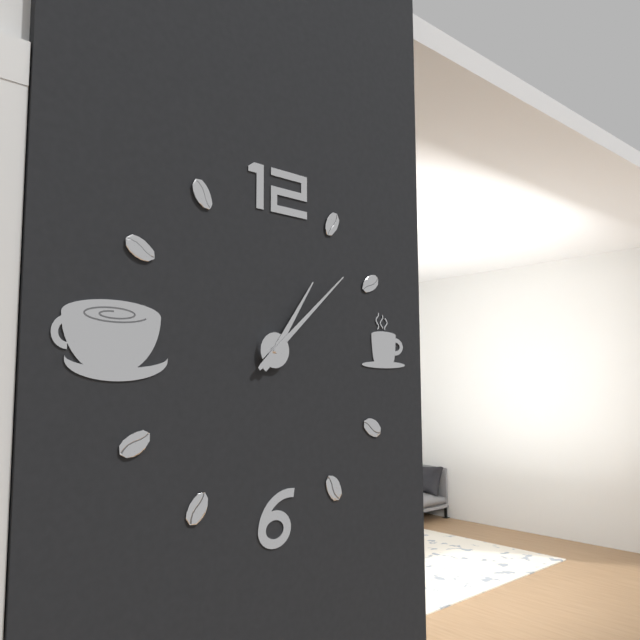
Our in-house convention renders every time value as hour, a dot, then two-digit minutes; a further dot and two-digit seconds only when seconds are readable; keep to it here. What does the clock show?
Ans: 1.08
